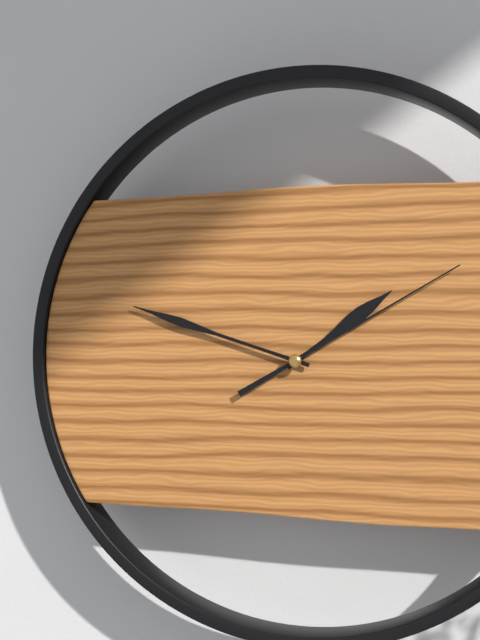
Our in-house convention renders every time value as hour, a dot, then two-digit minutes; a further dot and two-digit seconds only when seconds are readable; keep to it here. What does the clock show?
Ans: 1.48.10
